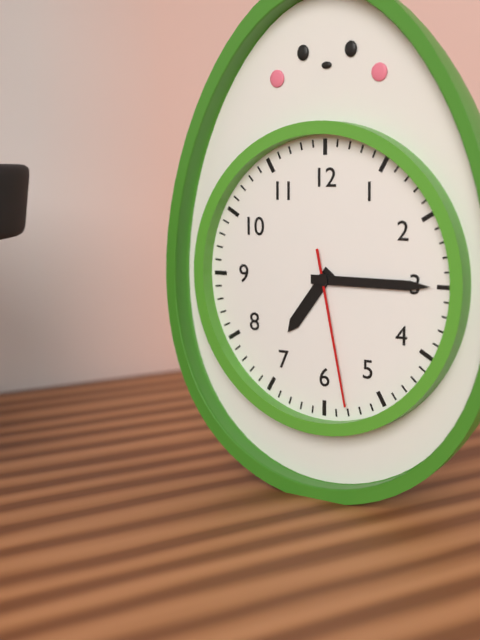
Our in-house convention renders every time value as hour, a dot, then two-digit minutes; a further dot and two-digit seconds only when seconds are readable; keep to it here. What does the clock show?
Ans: 7.15.28
